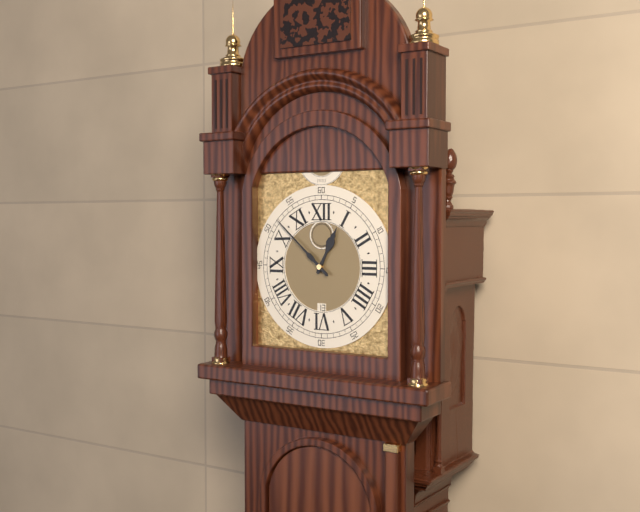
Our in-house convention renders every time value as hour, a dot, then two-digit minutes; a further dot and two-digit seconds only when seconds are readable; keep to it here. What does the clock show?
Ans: 12.52
